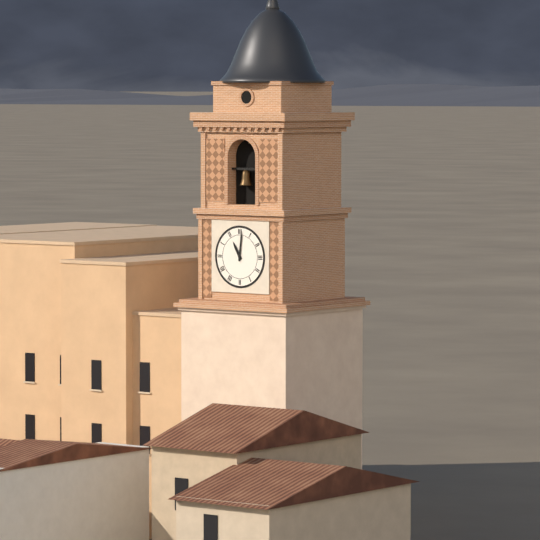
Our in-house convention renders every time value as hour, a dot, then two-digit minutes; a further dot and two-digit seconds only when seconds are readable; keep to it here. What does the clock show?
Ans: 11.01
